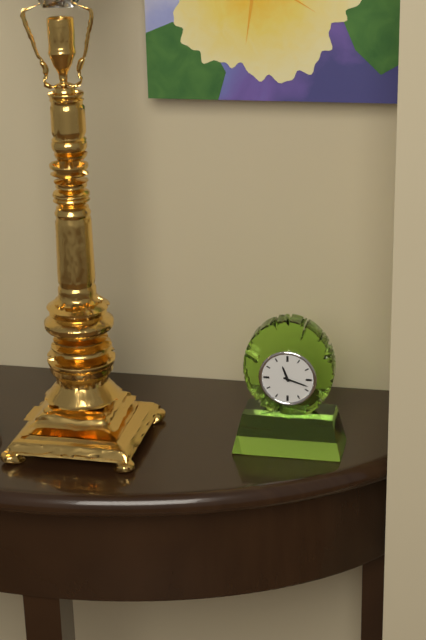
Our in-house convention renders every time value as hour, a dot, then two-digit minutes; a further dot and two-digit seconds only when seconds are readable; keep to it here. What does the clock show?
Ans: 11.18
